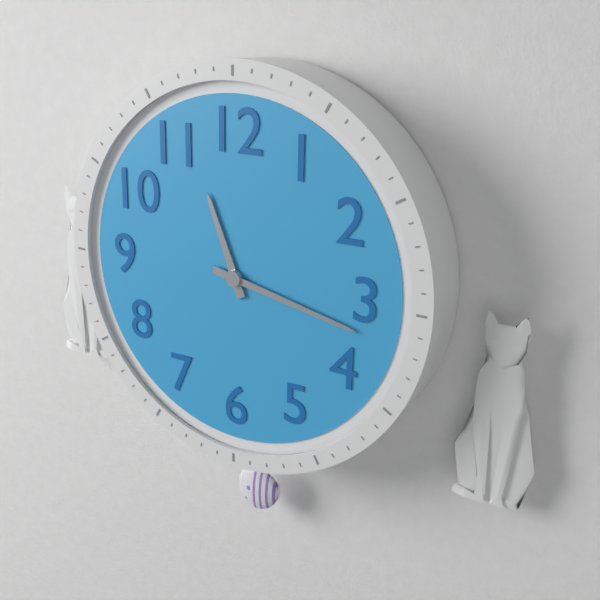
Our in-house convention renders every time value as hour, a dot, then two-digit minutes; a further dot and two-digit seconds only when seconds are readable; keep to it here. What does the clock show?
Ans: 11.17
